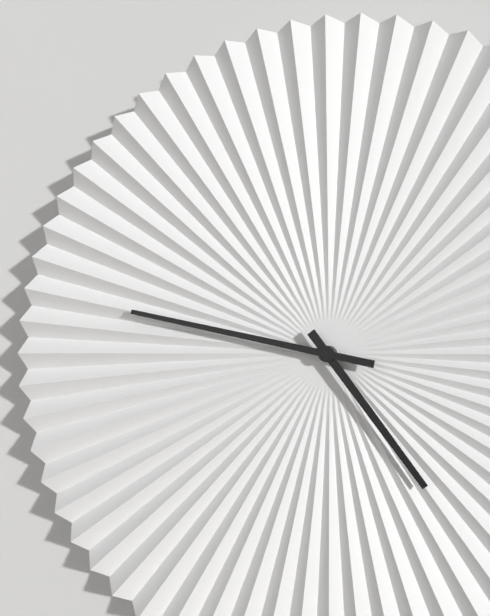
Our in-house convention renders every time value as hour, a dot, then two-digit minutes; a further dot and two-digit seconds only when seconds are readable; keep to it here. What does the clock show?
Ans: 4.47
